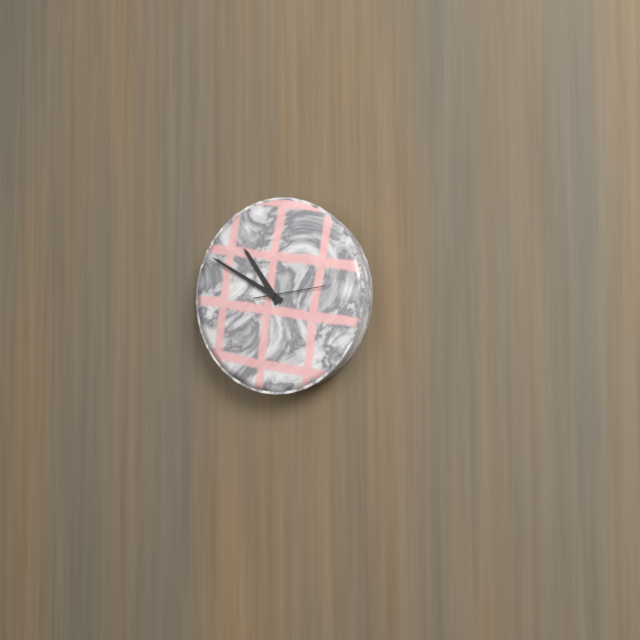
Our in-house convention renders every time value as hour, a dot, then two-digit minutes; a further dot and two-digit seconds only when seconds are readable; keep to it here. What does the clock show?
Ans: 10.50.14
